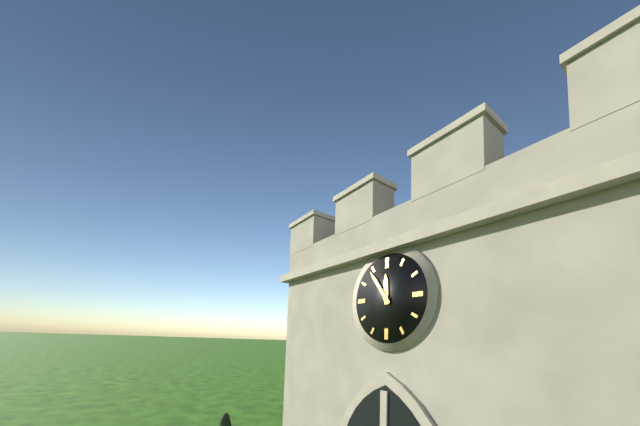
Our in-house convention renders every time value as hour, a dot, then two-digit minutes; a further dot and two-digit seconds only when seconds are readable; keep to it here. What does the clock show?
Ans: 11.54
